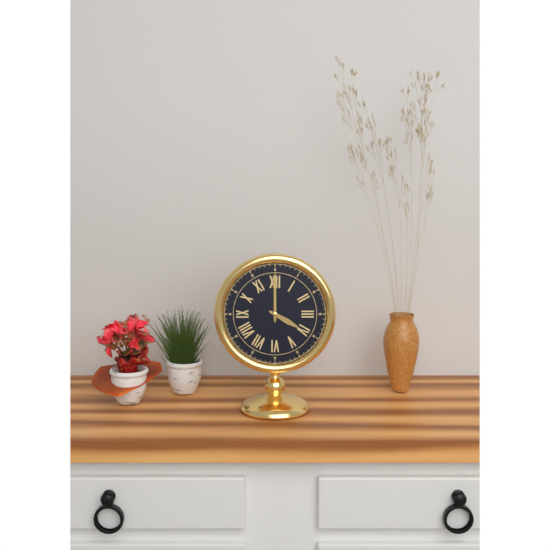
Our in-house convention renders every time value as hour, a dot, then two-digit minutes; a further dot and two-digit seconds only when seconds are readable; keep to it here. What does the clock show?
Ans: 4.00
